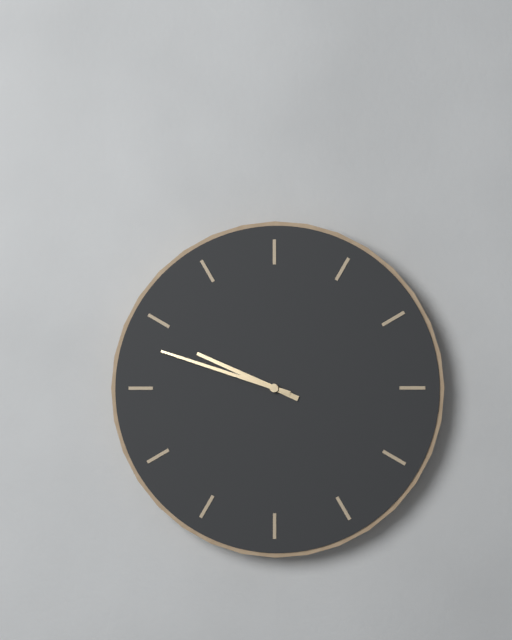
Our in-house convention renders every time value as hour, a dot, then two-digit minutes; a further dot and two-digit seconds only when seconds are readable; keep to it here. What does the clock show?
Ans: 9.48
